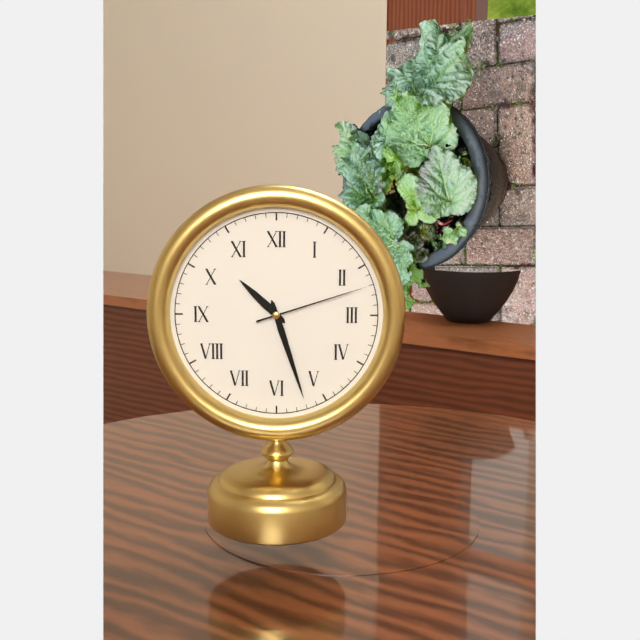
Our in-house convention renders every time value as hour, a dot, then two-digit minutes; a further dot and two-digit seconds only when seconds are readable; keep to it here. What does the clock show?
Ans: 10.27.12
